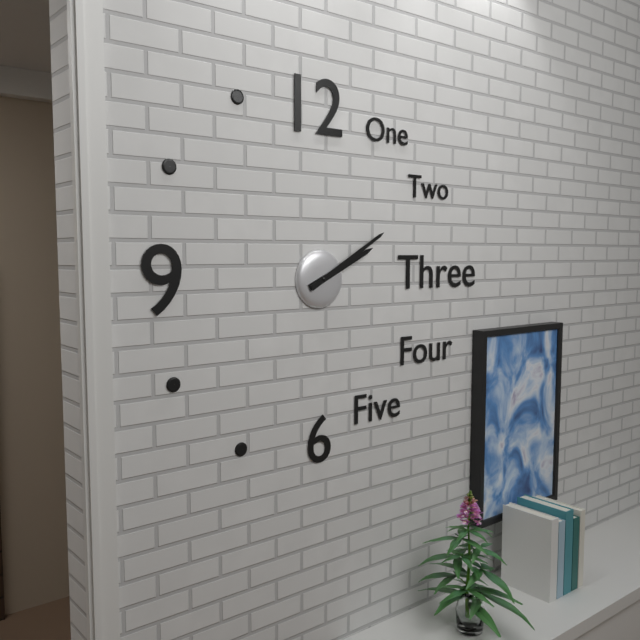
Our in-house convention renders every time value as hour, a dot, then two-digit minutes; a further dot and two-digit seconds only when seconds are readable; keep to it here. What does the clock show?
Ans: 2.10
